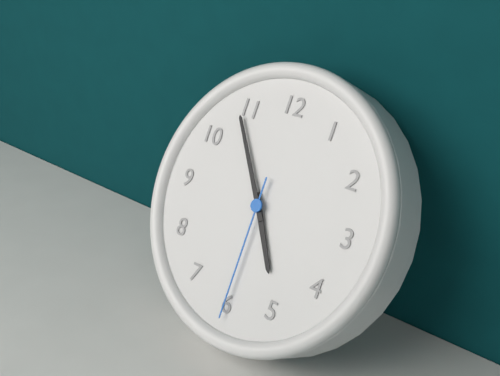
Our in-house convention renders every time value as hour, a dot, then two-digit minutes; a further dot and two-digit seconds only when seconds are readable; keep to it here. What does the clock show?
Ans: 4.54.30
